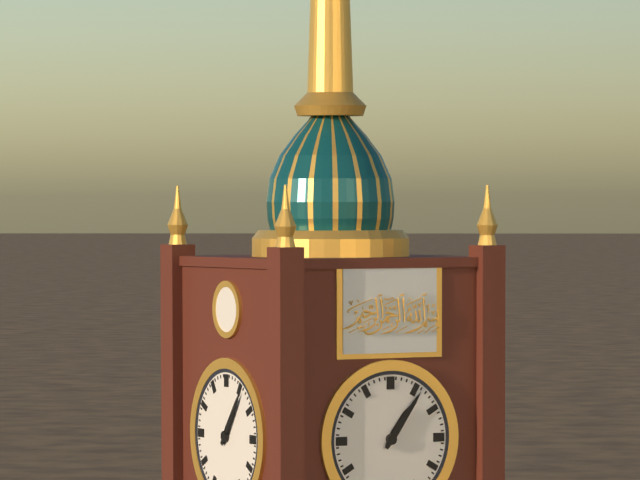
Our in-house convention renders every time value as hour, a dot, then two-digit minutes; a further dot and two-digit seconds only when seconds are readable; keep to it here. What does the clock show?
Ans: 1.06
